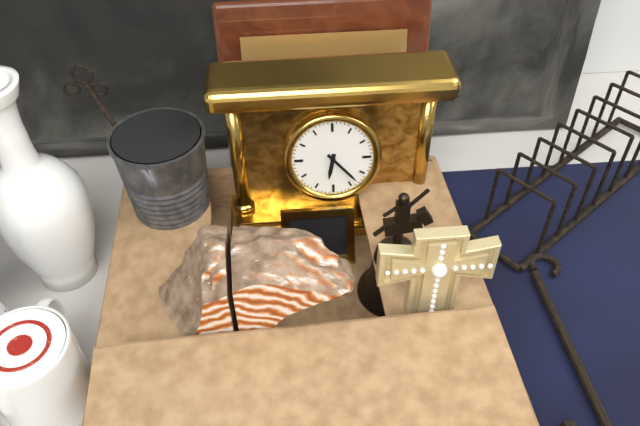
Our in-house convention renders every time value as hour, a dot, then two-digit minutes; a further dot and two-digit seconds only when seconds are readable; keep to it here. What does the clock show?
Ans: 6.23
